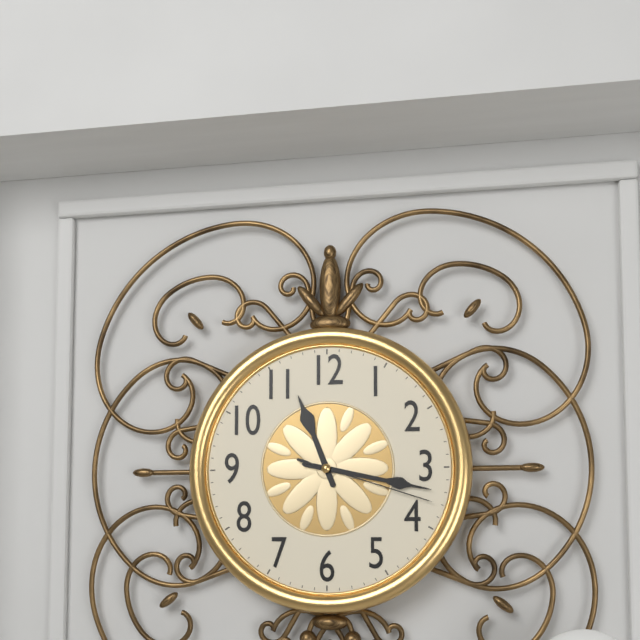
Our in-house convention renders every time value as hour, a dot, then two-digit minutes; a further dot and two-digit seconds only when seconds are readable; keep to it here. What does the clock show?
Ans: 11.17.18
